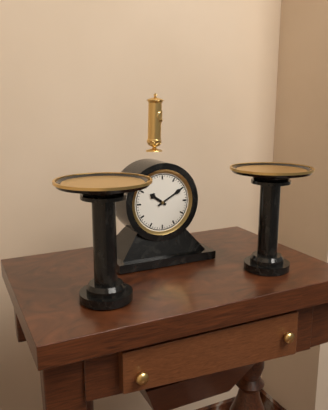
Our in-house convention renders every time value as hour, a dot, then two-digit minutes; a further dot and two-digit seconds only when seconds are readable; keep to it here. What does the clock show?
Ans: 10.10
